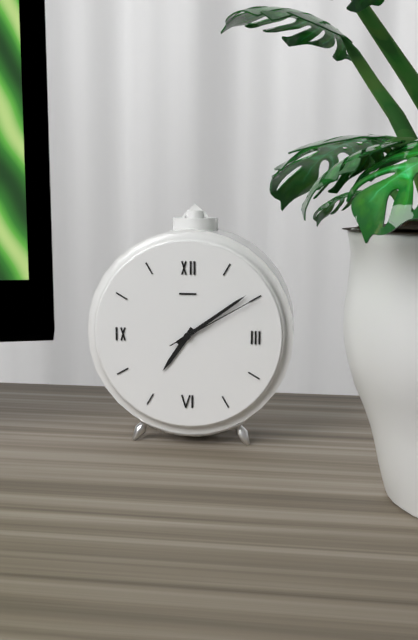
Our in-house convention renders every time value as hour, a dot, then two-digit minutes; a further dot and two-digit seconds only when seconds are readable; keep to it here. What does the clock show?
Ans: 7.09.10
